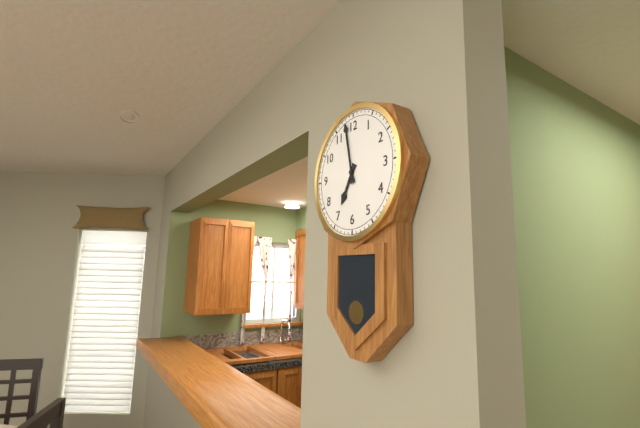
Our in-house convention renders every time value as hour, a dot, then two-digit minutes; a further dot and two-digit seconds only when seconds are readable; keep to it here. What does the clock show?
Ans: 6.58
